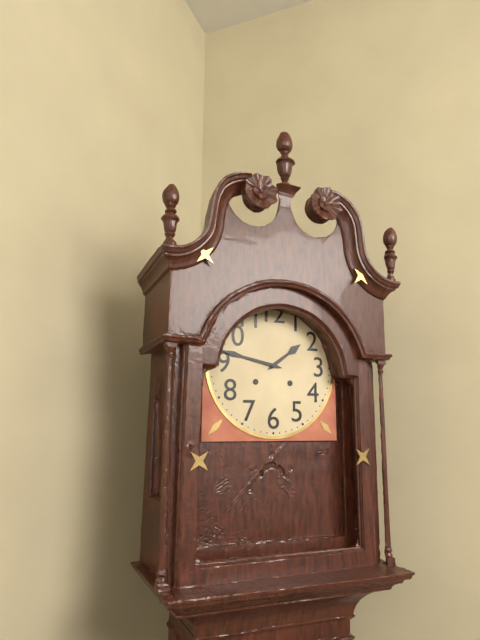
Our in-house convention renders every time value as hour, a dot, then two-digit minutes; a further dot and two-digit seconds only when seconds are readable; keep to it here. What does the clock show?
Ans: 1.47
